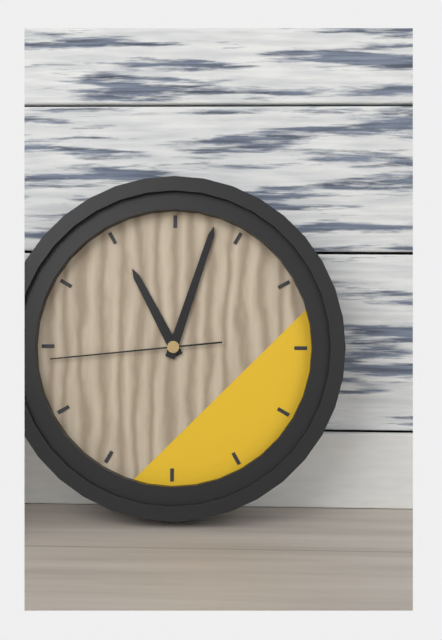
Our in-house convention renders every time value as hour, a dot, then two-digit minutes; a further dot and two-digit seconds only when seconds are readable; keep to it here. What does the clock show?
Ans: 11.03.44
